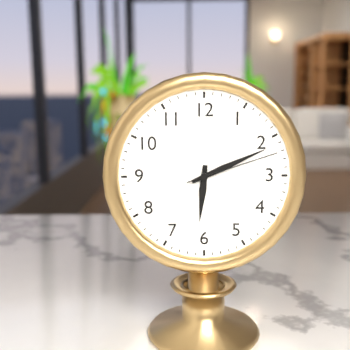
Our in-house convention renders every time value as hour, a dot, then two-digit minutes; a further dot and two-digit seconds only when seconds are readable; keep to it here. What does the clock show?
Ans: 6.11.12
